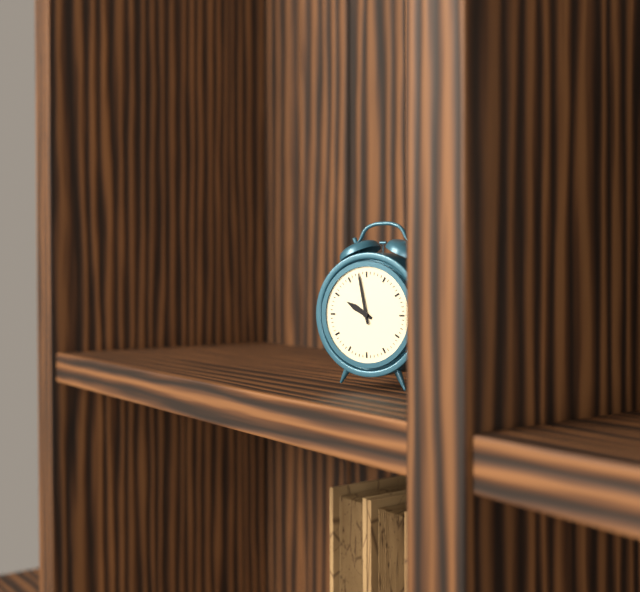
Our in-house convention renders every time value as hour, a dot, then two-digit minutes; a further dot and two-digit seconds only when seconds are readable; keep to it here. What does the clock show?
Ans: 9.58
